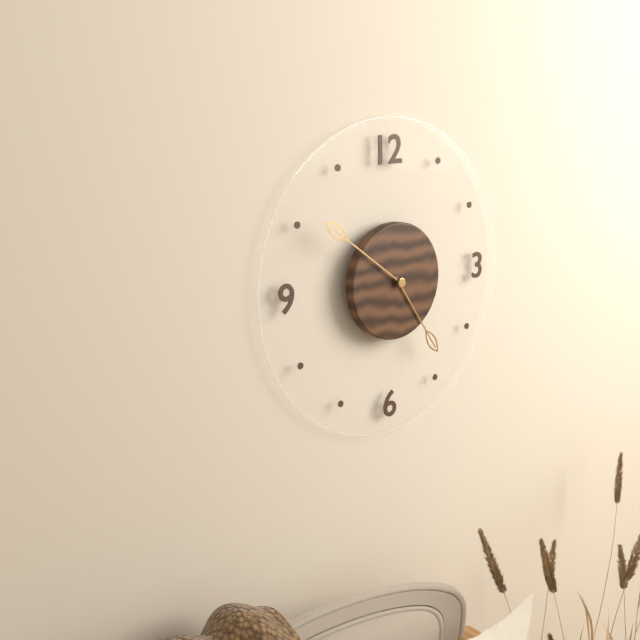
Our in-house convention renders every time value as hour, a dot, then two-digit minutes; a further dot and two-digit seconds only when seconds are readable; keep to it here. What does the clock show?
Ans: 4.51
